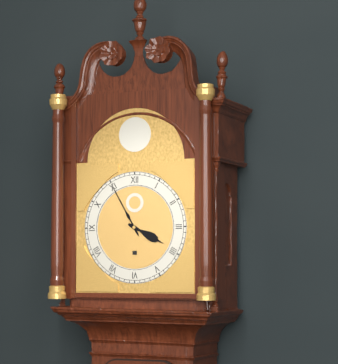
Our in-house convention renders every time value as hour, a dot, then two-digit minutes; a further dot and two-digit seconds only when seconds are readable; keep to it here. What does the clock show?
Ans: 3.55
